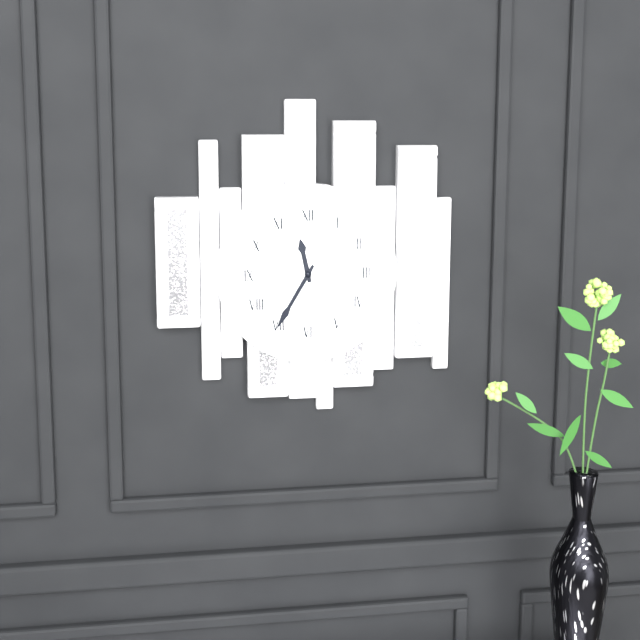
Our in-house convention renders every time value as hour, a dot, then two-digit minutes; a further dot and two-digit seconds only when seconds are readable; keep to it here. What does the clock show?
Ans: 11.35
